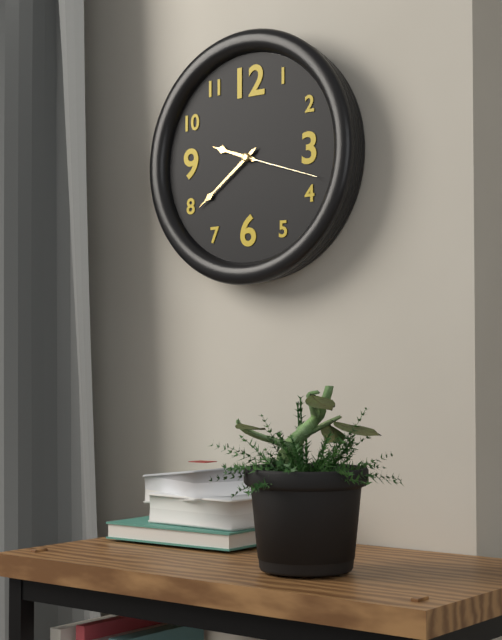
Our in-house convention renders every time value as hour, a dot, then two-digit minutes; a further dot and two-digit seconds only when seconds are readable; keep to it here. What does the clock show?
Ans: 9.39.18
